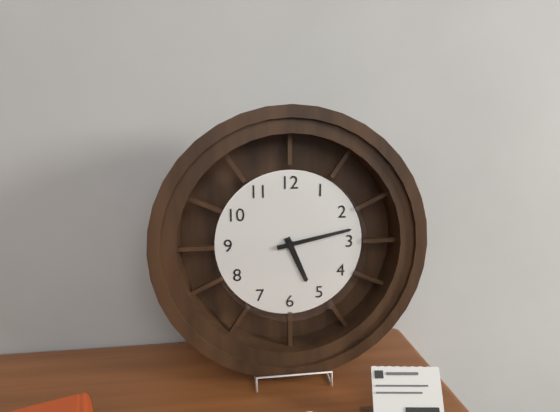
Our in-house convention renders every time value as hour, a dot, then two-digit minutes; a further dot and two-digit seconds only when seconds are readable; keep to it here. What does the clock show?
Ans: 5.13
